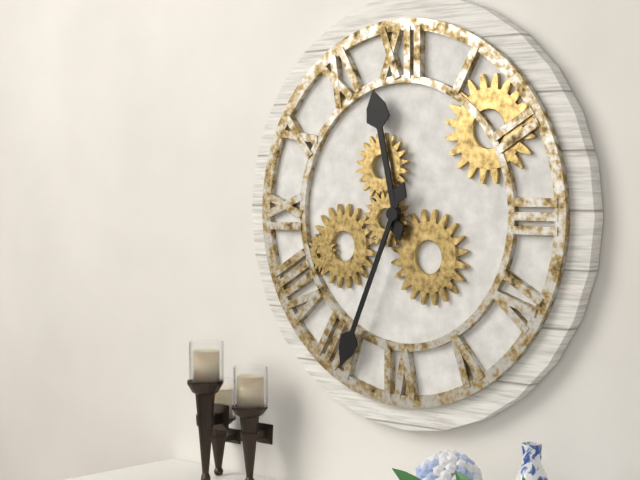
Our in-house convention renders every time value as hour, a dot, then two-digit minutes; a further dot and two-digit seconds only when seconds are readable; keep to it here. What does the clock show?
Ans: 11.34
